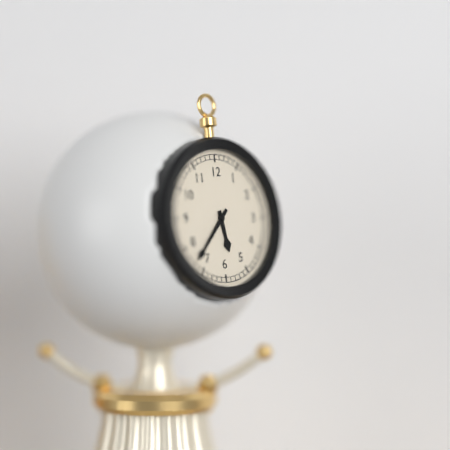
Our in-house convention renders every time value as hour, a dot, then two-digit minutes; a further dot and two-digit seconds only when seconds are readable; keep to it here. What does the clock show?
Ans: 5.37
